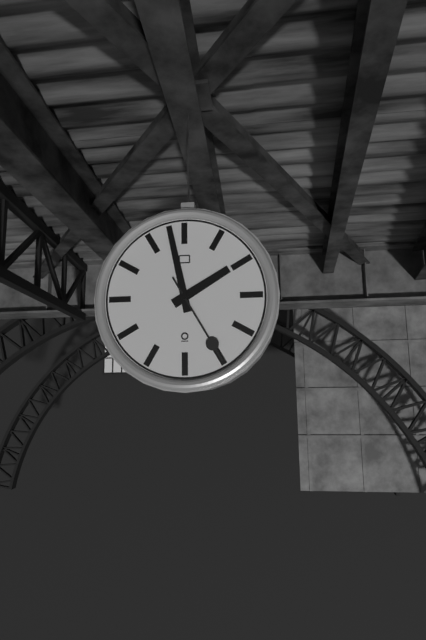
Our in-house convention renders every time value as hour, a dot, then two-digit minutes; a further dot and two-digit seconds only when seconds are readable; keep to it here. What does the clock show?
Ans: 1.58.25
